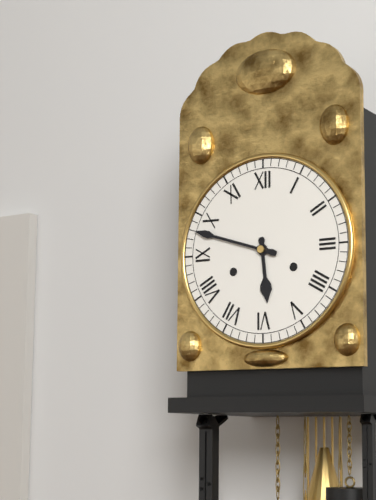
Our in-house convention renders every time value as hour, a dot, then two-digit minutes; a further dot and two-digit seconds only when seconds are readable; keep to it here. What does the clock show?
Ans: 5.48
